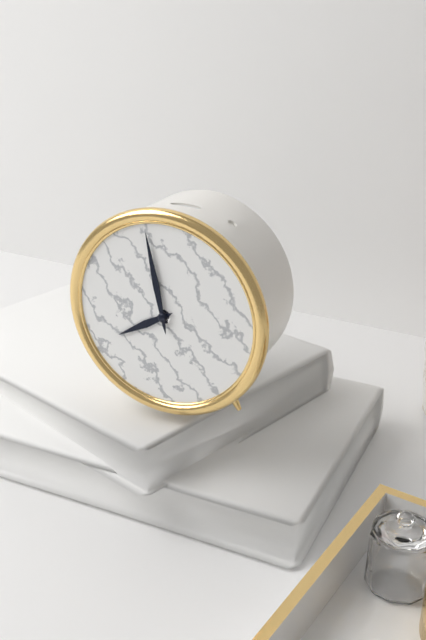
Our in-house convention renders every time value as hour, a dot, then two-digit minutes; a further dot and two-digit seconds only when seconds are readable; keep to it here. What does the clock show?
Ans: 7.58
